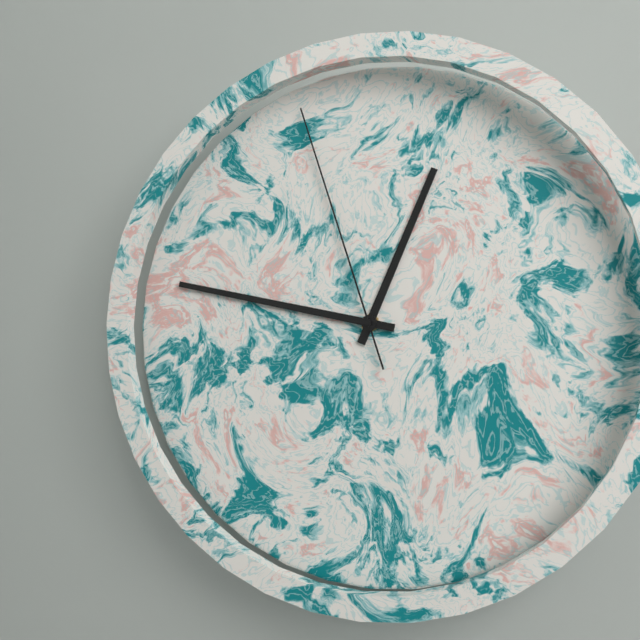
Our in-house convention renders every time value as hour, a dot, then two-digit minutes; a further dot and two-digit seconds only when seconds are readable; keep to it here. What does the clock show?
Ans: 12.47.57
